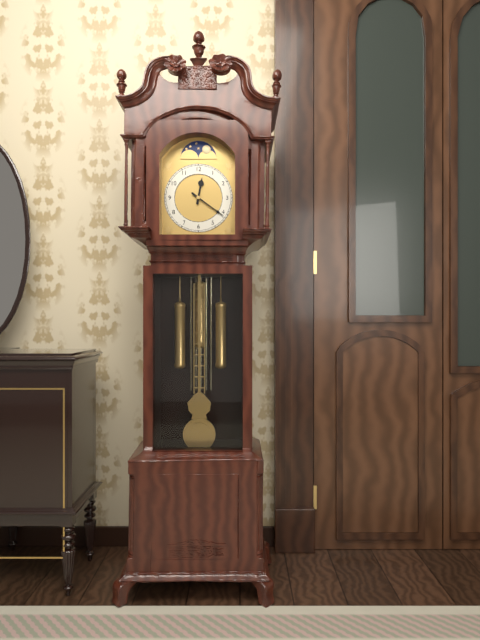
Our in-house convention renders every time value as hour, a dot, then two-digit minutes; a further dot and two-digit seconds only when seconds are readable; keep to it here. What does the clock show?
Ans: 12.21
